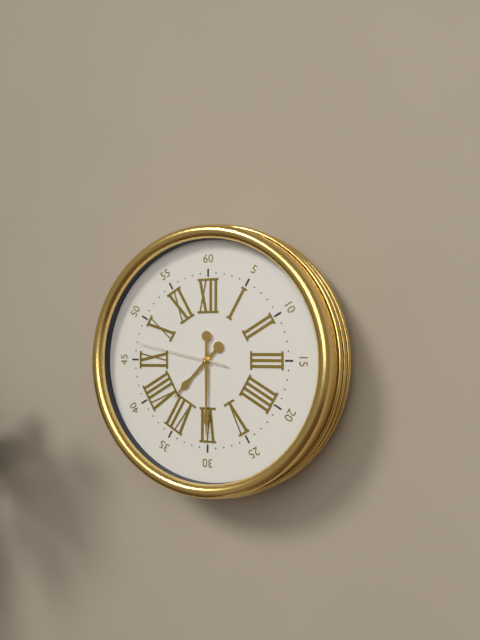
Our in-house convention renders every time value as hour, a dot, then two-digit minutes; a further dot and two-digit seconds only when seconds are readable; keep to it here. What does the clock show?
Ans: 7.30.47
